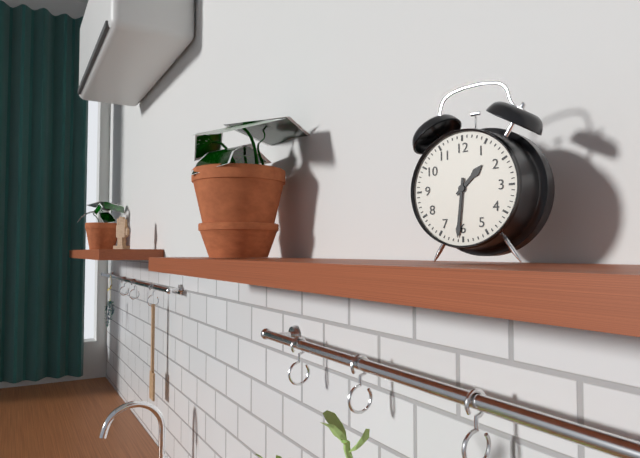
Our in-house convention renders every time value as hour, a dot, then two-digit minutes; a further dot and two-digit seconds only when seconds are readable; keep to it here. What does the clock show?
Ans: 1.31
